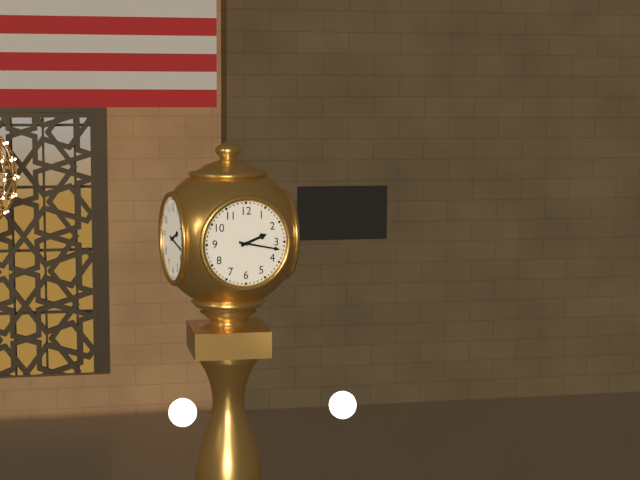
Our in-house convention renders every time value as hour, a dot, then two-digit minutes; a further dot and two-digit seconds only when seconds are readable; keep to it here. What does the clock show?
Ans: 2.17
